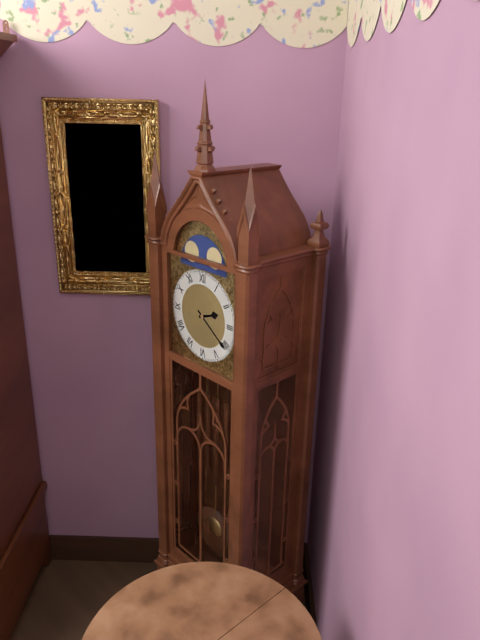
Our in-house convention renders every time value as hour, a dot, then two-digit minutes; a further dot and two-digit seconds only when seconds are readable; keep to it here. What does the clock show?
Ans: 2.21
